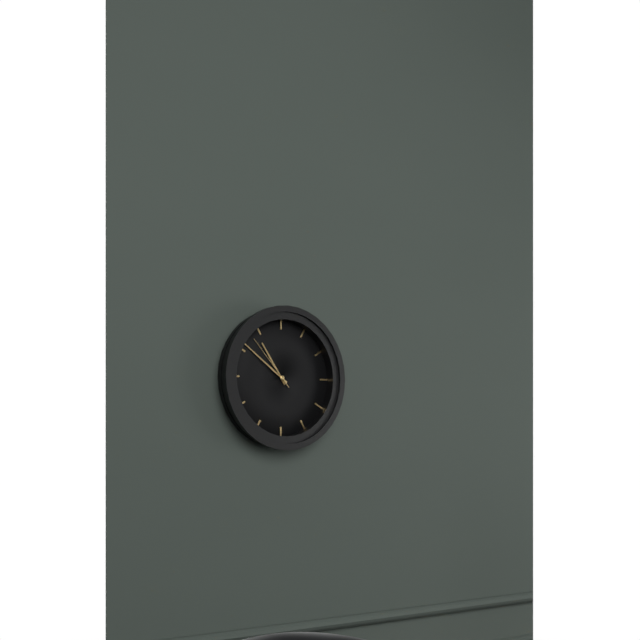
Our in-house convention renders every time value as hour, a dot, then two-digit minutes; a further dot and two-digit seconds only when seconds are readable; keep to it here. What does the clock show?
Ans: 10.51.53
